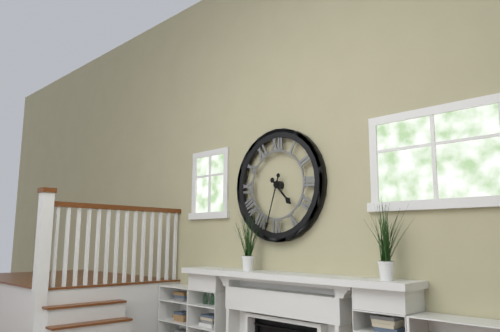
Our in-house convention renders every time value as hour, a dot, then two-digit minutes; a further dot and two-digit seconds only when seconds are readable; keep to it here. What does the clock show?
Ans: 4.33
